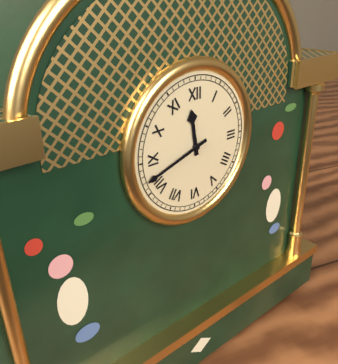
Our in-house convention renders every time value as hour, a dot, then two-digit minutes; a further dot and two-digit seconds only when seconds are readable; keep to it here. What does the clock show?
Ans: 11.42
